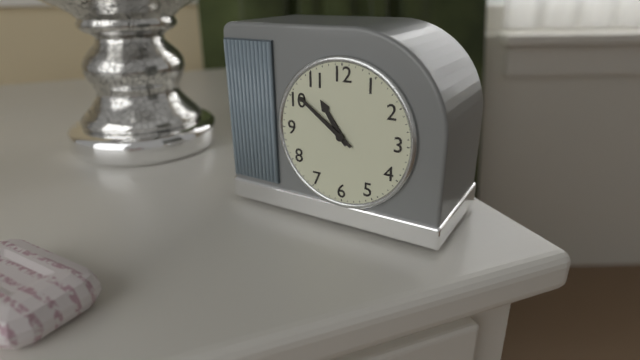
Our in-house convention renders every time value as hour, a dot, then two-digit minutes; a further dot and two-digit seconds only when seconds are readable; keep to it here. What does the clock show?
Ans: 10.51
